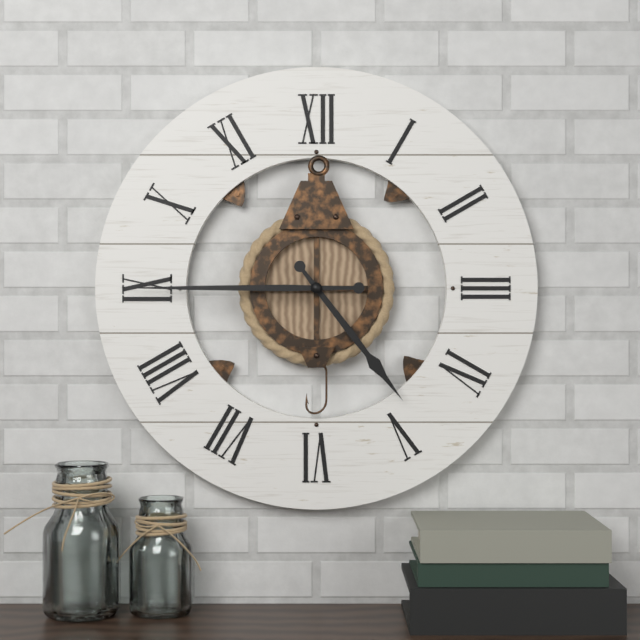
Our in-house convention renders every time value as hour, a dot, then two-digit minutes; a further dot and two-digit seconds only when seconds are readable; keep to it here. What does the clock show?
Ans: 4.45
